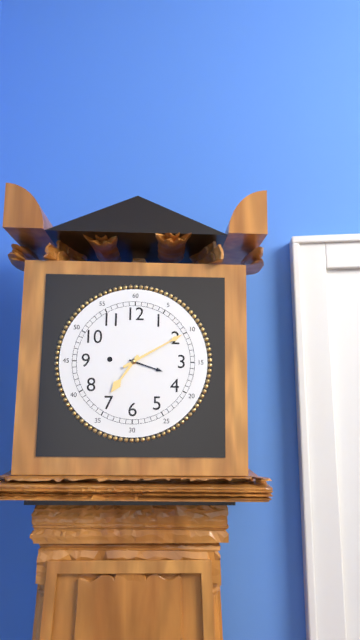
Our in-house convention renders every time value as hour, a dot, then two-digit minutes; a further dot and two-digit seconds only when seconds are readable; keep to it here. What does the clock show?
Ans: 7.10
